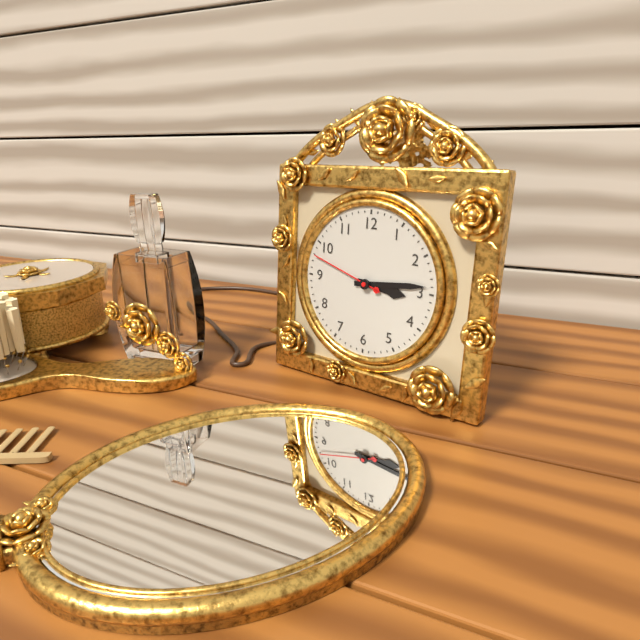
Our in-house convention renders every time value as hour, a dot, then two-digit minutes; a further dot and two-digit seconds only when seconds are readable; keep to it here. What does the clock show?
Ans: 3.14.48
